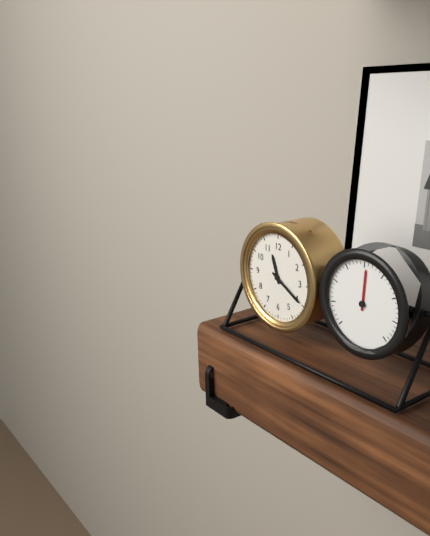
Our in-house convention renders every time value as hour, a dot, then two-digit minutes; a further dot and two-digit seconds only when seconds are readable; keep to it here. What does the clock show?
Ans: 11.20
